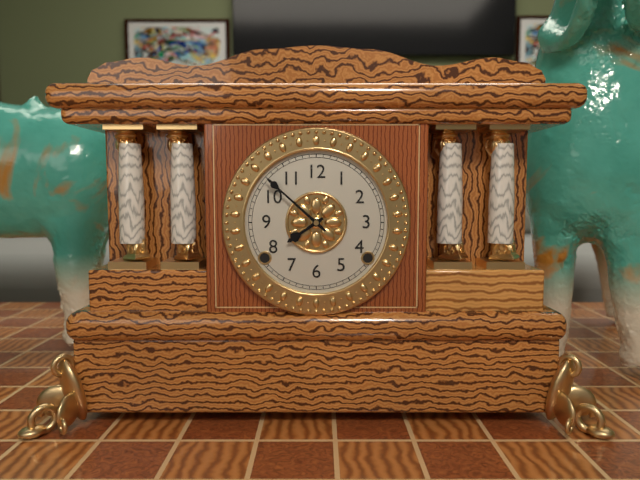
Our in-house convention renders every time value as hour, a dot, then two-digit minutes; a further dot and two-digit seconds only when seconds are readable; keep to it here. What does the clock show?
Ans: 7.52
